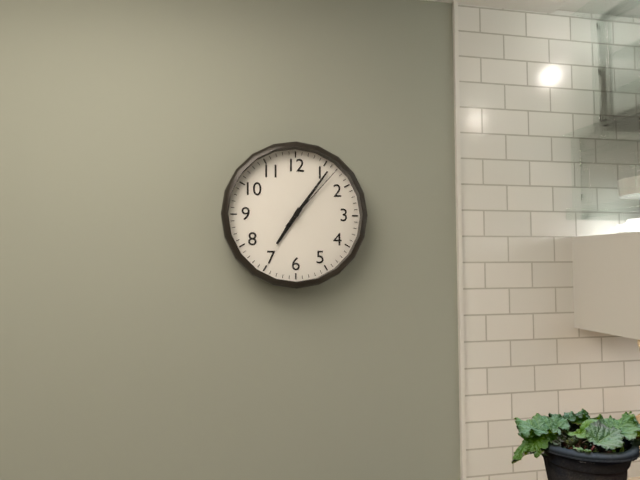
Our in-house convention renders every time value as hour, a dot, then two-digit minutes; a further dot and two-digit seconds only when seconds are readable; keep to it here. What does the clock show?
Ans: 7.06.07
